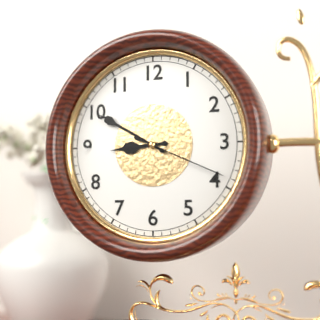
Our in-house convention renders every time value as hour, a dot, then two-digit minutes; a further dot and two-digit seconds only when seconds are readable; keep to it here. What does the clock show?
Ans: 8.50.19
